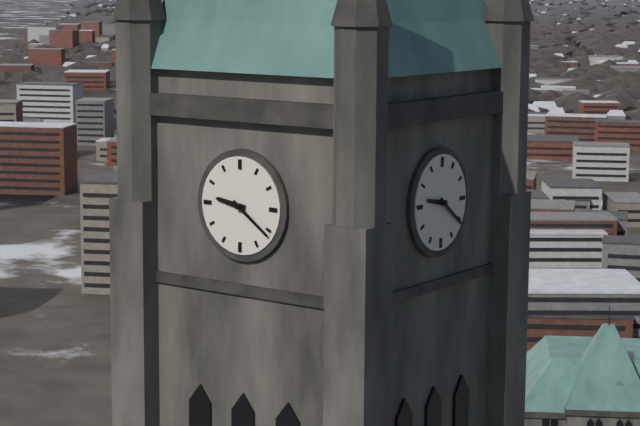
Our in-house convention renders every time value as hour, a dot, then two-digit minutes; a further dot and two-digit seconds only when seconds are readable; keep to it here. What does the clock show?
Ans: 9.21
